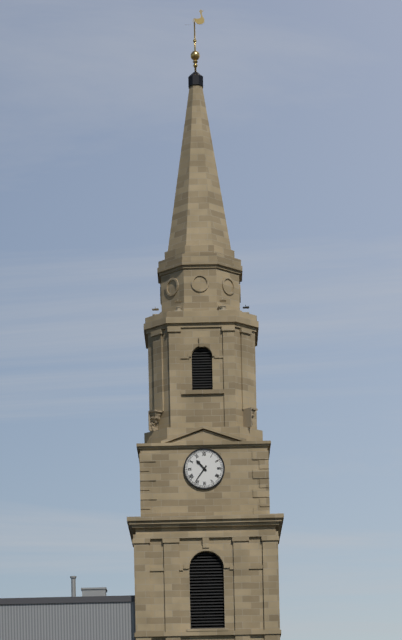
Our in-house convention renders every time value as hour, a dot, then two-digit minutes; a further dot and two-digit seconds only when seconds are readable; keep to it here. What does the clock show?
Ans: 10.36
